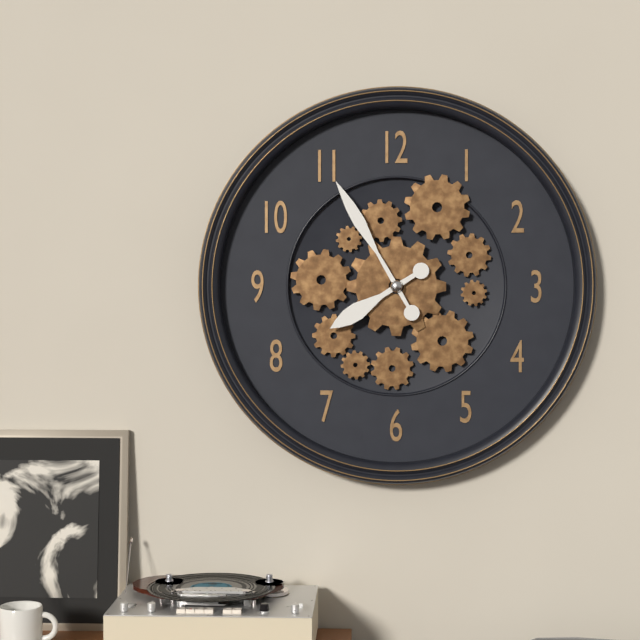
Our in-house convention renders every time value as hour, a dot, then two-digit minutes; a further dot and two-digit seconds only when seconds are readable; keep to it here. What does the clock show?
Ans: 7.55
